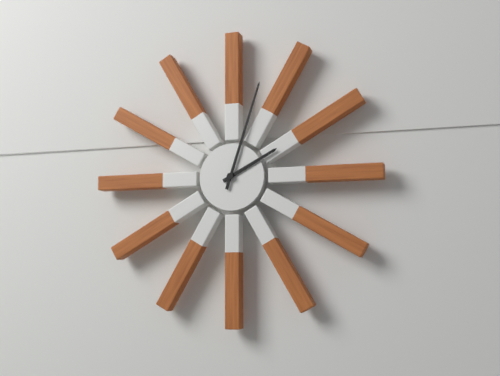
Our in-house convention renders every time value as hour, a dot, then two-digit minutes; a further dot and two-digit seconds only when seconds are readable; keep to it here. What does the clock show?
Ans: 2.03
